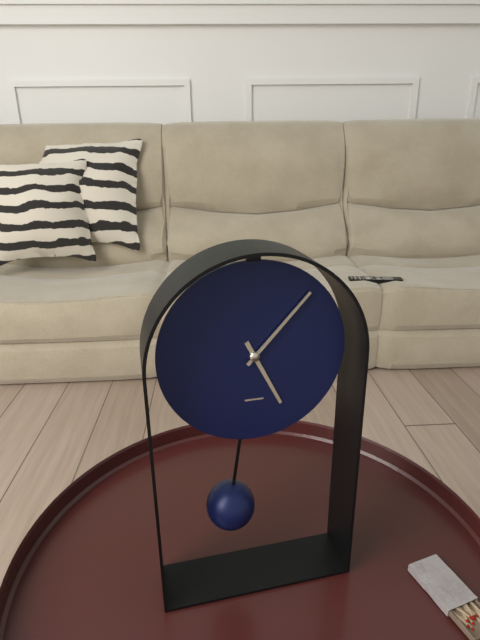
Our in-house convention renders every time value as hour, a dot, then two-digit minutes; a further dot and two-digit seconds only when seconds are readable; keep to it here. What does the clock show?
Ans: 5.07
